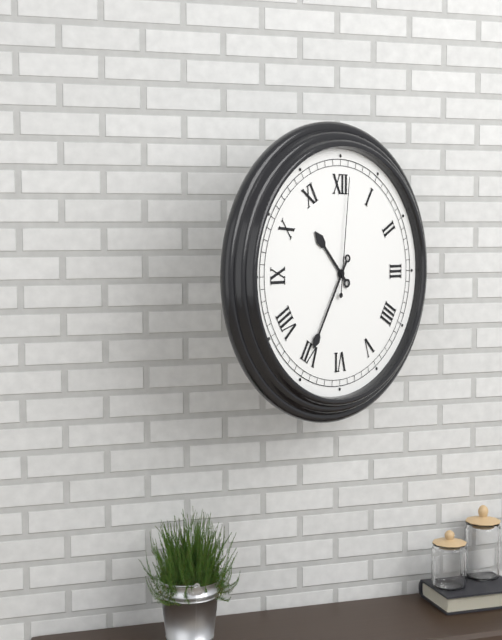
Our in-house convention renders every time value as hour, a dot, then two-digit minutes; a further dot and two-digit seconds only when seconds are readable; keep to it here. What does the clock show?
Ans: 10.35.01
